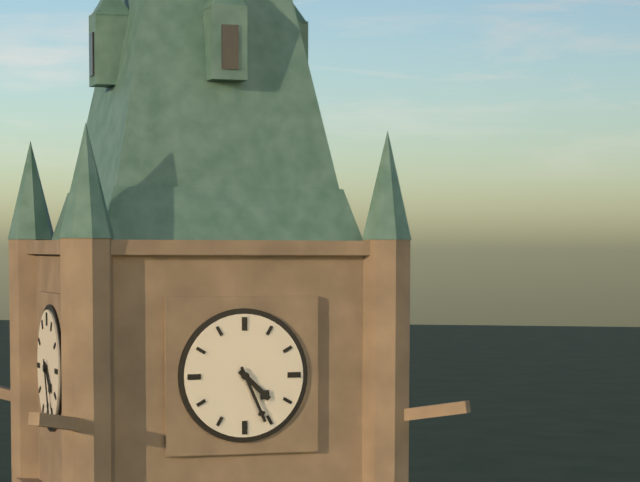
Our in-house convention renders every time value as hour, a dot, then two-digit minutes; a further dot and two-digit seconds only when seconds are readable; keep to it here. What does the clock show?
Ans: 4.26
